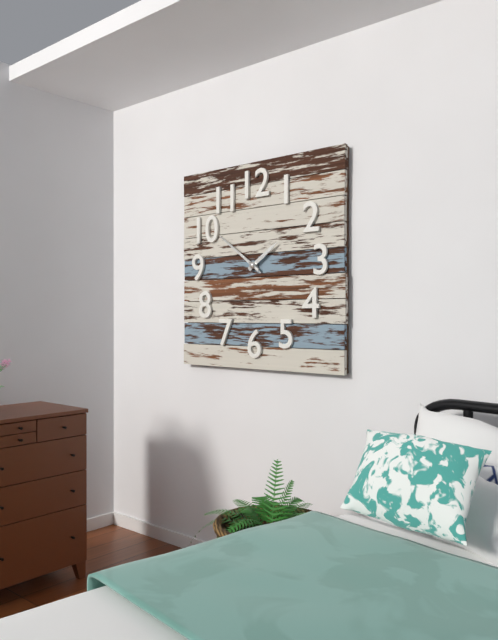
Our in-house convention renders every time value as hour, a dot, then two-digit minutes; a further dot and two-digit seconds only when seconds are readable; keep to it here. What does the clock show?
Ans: 1.51.51
